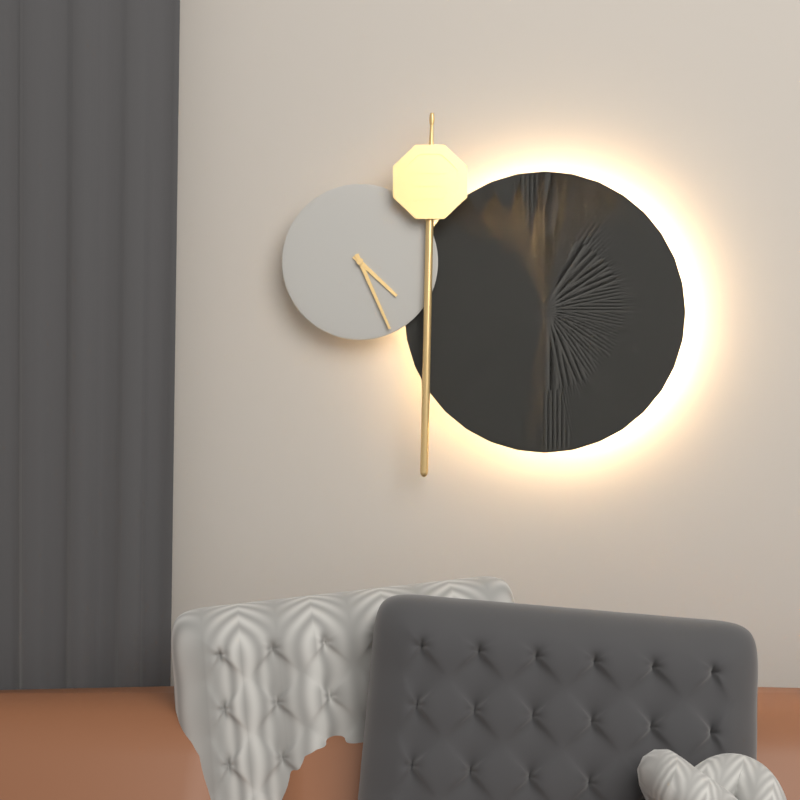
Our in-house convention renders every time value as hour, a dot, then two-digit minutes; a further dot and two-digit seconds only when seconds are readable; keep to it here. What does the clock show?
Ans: 4.26
